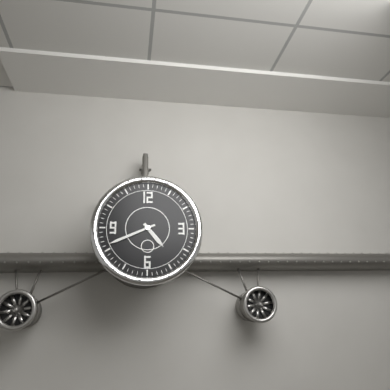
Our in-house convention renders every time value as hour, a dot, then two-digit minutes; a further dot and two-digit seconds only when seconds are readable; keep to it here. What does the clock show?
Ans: 4.41
